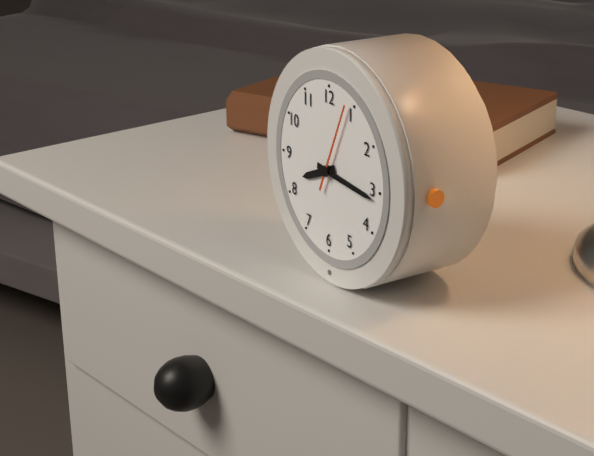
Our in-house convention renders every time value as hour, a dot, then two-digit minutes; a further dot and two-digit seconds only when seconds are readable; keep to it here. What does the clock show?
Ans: 8.16.04
